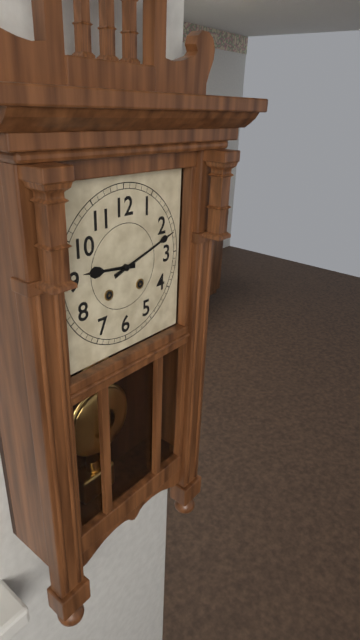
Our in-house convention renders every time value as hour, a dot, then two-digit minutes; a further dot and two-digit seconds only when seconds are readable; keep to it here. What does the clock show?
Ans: 9.12
